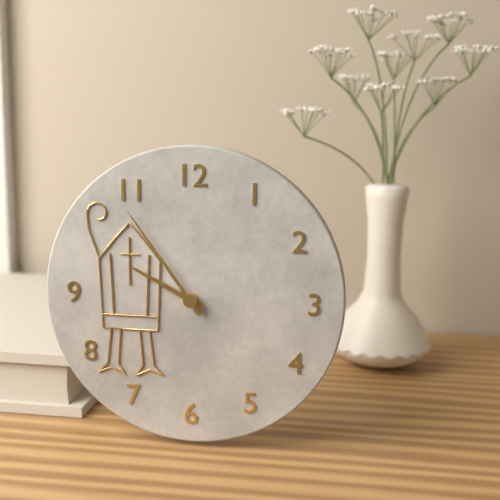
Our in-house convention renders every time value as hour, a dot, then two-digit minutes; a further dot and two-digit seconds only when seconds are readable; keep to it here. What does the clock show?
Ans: 9.54
